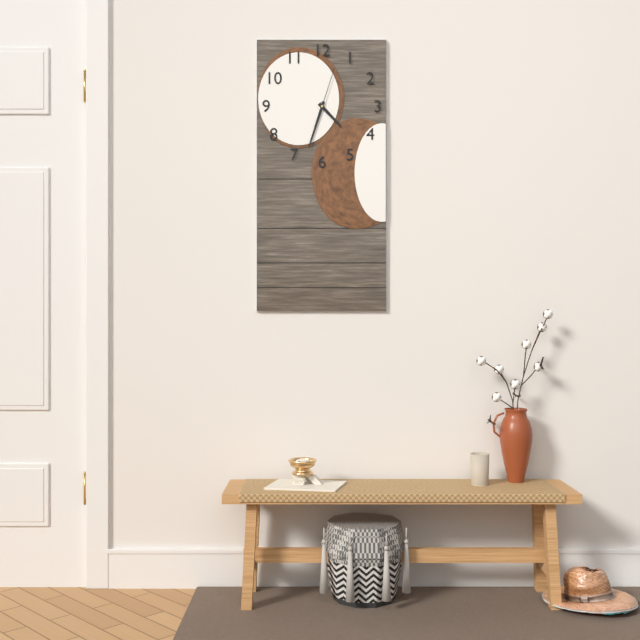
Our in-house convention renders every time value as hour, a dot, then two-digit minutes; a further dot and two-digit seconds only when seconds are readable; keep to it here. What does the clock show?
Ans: 4.33.03
